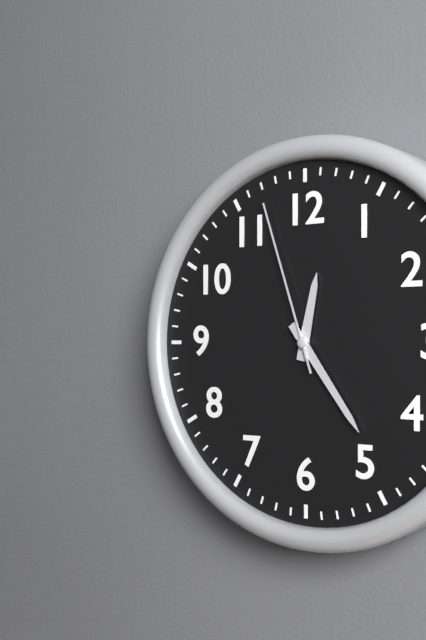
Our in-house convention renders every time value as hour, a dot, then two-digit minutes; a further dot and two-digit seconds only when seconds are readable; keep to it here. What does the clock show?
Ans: 12.24.57
